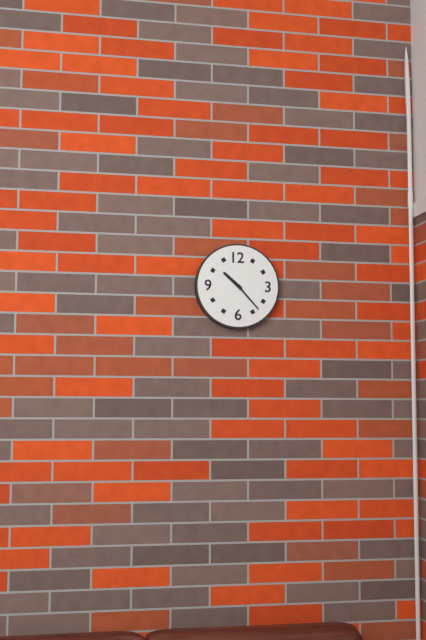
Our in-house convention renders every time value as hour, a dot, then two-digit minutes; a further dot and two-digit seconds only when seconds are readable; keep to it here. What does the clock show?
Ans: 10.23
